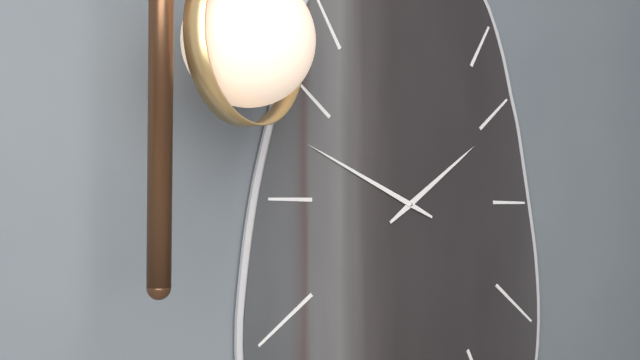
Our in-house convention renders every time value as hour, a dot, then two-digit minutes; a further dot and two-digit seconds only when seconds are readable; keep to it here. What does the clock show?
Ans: 1.49
